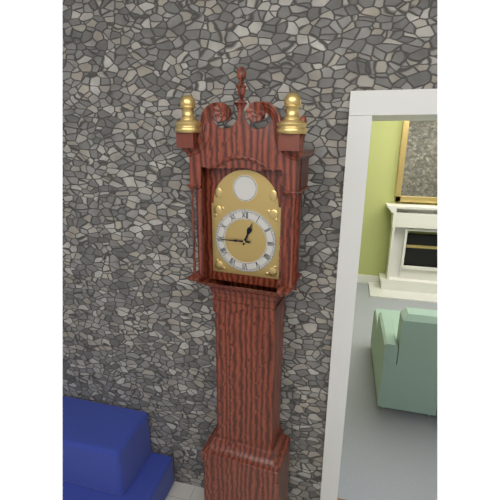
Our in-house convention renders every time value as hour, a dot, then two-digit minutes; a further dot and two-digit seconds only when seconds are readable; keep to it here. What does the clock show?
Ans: 12.45
